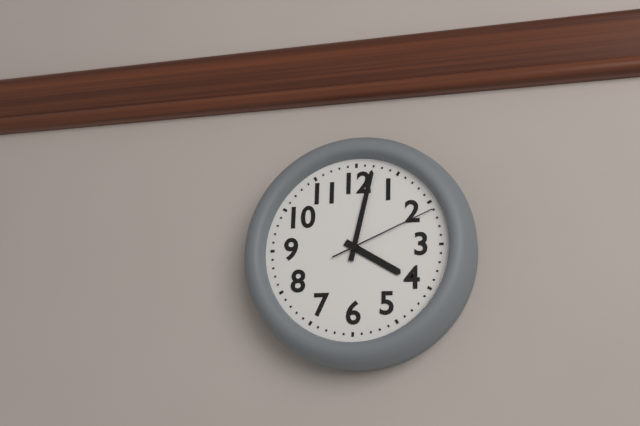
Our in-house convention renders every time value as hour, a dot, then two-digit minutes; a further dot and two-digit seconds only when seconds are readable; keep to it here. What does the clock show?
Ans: 4.02.11
